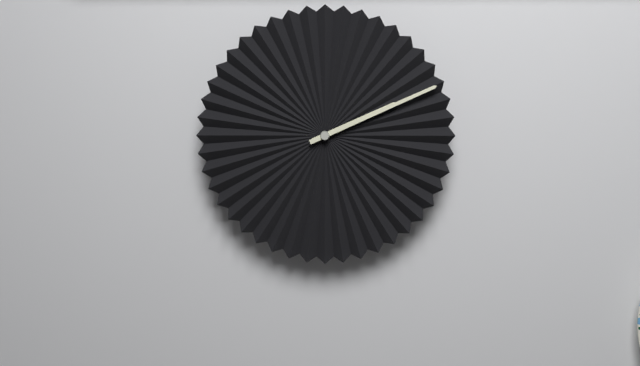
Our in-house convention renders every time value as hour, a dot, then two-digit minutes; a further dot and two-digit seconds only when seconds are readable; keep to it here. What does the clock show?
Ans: 2.11
